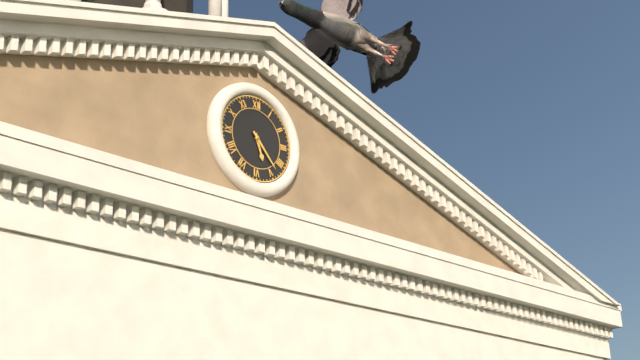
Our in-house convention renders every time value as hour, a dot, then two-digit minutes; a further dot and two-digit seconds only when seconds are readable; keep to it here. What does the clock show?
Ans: 5.23
